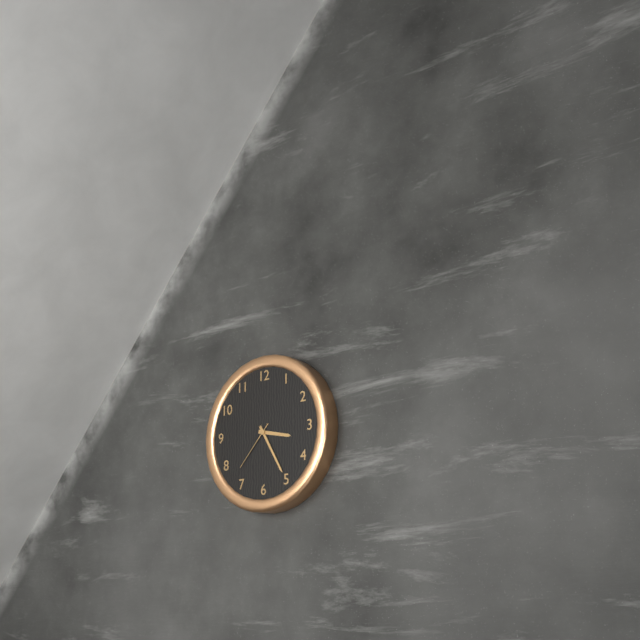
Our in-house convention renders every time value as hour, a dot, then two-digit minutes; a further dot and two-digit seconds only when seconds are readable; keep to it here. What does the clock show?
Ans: 3.25.37
